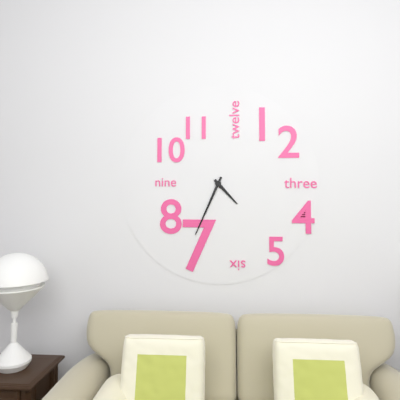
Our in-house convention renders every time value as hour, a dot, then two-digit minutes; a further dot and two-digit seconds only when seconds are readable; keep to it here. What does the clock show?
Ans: 4.34
